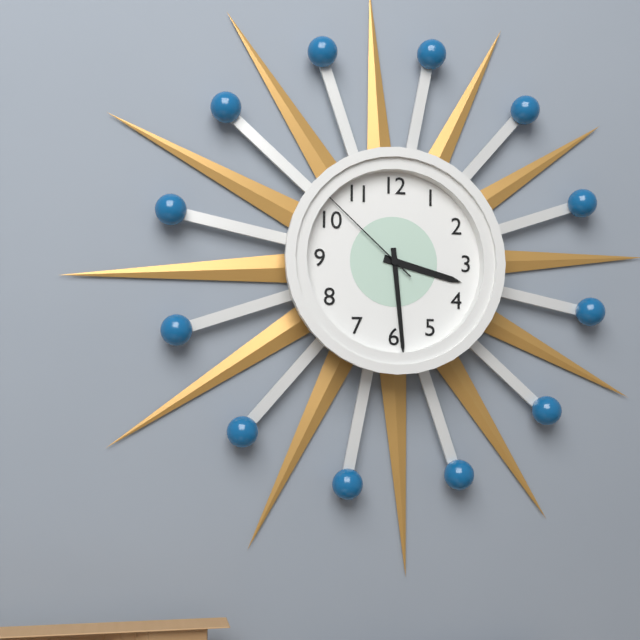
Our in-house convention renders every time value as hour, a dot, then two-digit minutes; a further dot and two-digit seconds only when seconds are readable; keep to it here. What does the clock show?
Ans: 3.29.52
